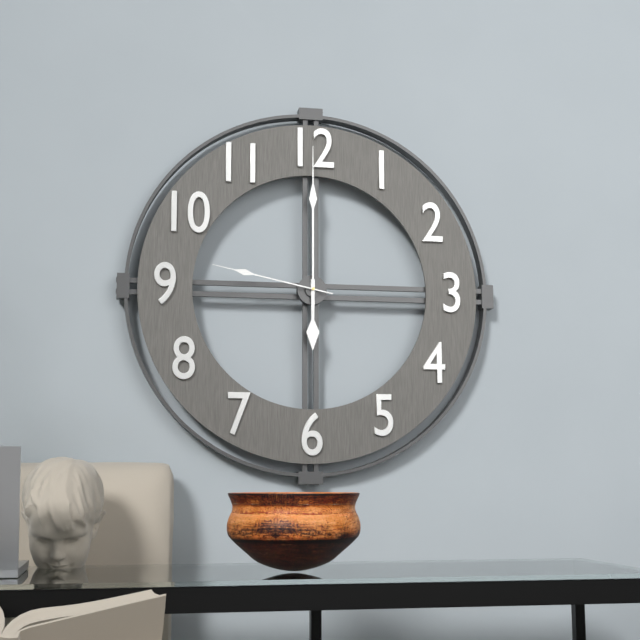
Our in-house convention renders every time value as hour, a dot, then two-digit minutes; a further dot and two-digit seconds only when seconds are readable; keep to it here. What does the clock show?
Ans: 6.00.47
